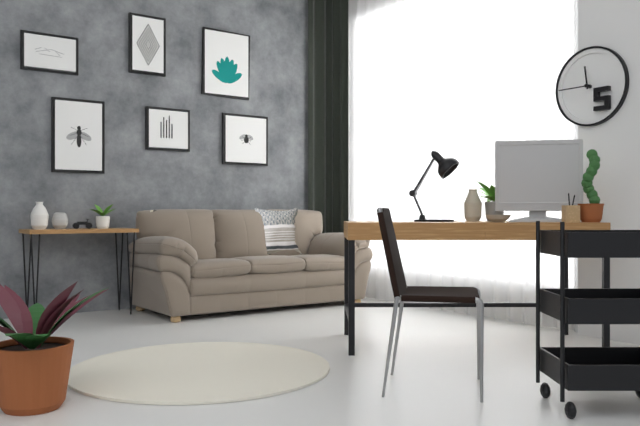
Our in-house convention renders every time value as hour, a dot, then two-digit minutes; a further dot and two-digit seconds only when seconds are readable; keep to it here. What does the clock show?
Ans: 11.45
